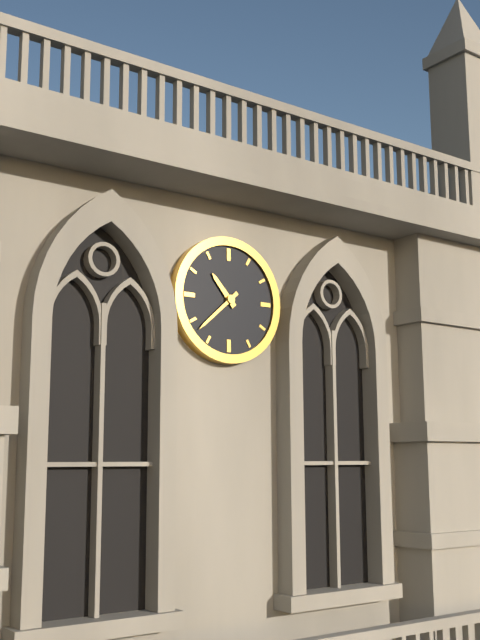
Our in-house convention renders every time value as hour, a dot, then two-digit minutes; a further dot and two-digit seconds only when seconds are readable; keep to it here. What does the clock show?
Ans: 10.38
